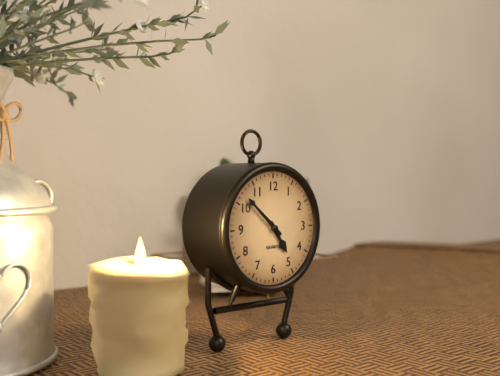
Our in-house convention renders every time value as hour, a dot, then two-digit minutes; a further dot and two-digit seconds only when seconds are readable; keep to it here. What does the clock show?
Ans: 4.52
